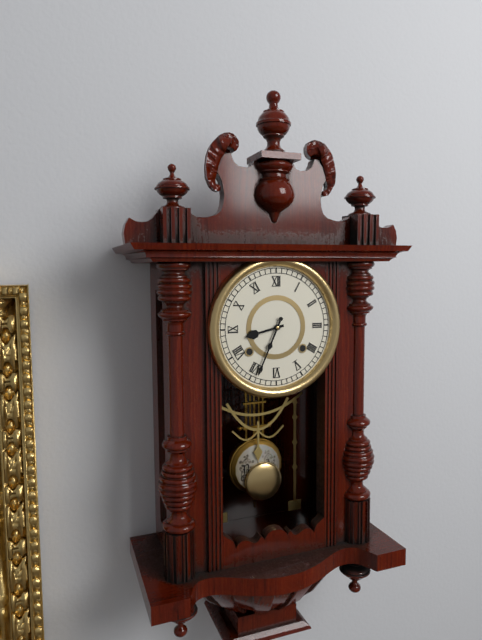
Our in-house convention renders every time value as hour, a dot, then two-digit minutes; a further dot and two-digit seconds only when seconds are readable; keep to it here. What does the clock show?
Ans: 8.34
